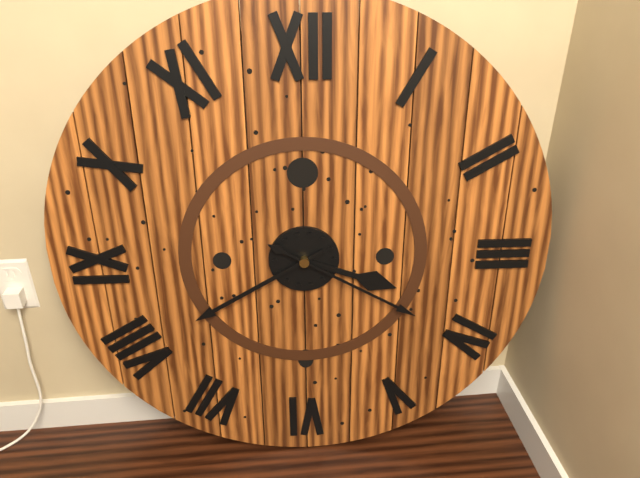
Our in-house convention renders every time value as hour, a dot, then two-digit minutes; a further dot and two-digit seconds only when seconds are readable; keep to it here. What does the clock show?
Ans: 3.40.20
